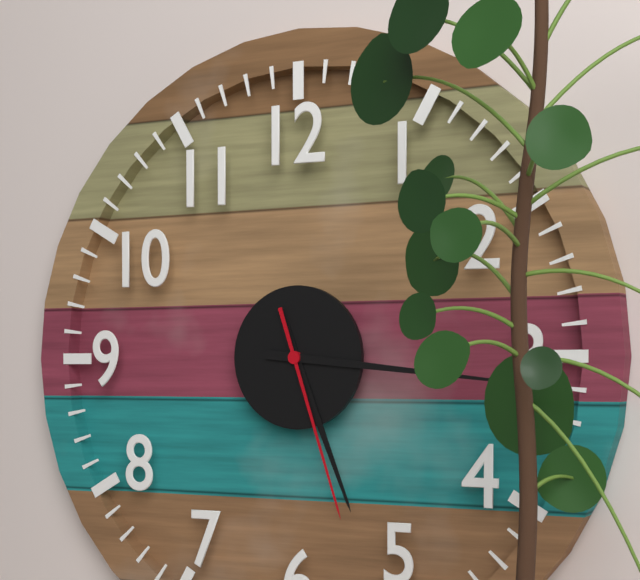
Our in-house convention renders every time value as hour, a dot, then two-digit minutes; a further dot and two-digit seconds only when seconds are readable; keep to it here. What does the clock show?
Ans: 5.16.27
